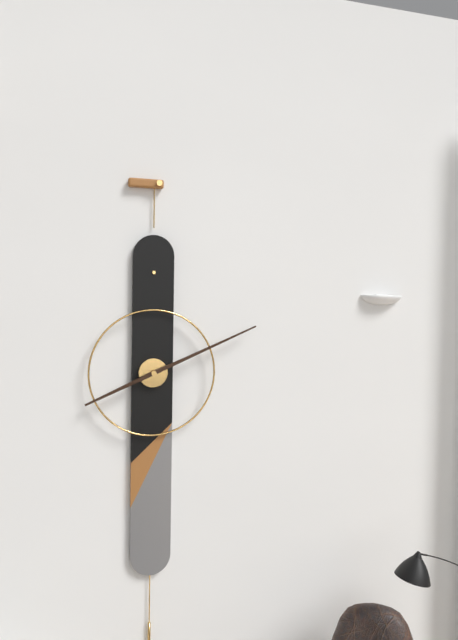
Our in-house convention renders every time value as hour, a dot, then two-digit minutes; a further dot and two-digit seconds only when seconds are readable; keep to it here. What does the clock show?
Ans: 8.11
